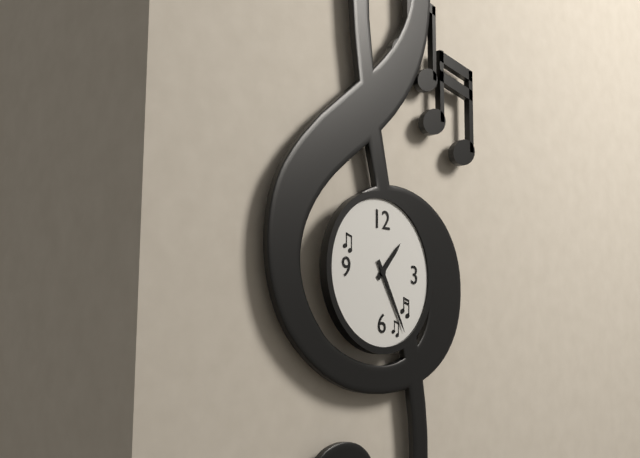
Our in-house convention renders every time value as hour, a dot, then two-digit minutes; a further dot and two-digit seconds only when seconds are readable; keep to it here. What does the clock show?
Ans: 1.25
